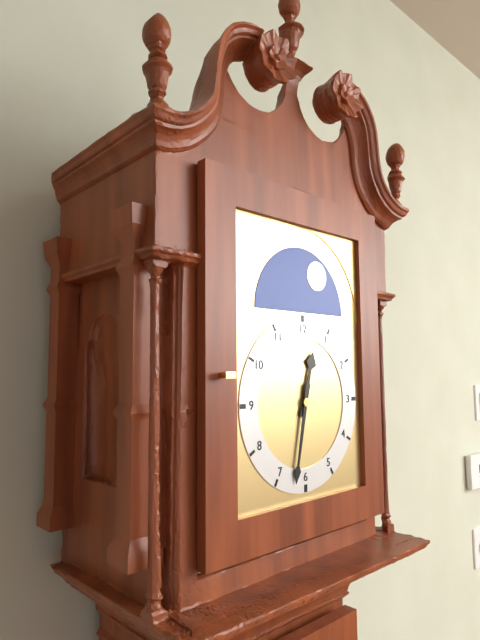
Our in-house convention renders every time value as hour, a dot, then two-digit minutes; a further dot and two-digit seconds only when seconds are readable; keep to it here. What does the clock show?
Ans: 12.32
